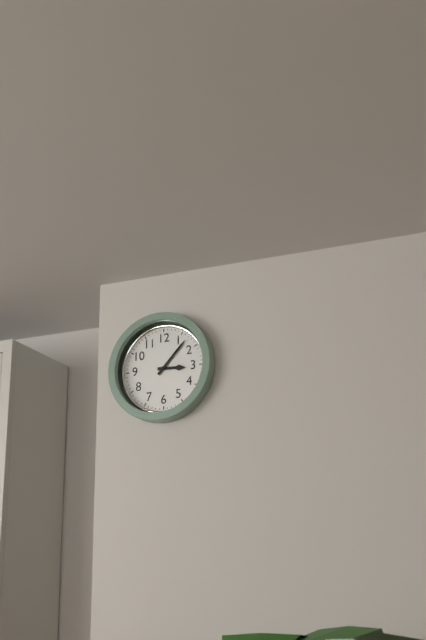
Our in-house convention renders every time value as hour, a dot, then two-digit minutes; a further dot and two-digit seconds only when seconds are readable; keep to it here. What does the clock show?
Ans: 3.07
